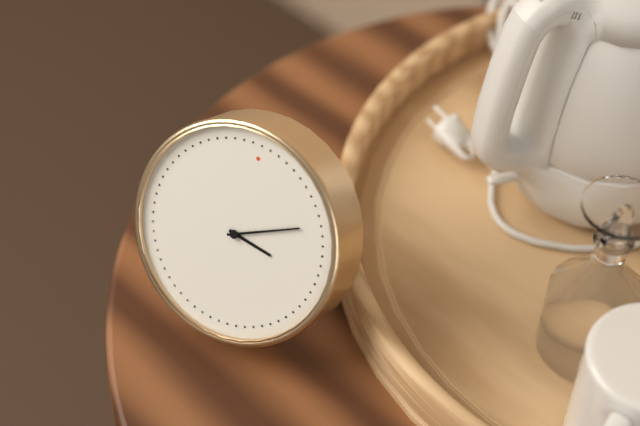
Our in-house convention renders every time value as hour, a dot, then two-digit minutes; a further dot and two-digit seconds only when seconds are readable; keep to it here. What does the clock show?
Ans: 3.10
